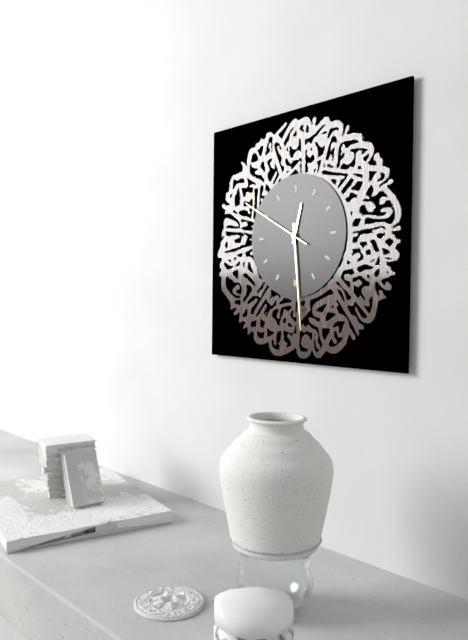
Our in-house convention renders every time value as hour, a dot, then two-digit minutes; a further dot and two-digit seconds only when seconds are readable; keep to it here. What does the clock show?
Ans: 12.29.50
